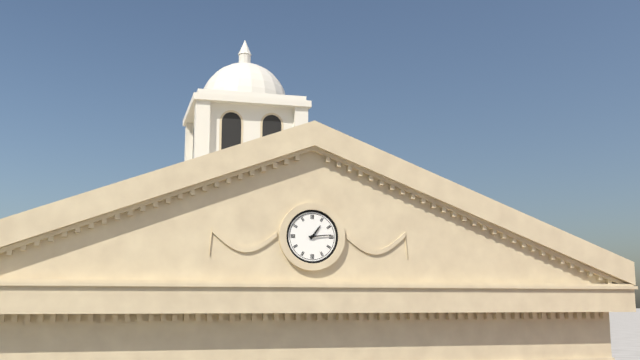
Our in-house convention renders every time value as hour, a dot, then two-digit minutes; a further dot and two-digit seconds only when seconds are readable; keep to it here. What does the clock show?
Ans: 1.14
